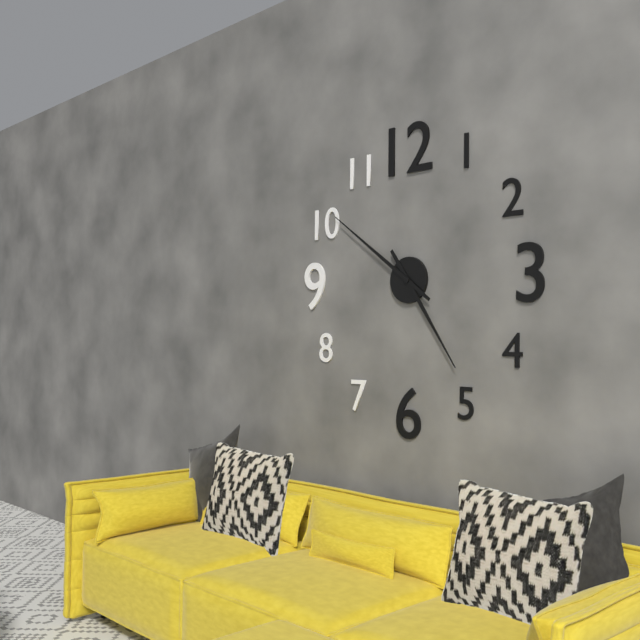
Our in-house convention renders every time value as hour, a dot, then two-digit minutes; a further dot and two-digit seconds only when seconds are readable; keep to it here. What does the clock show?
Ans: 4.51
